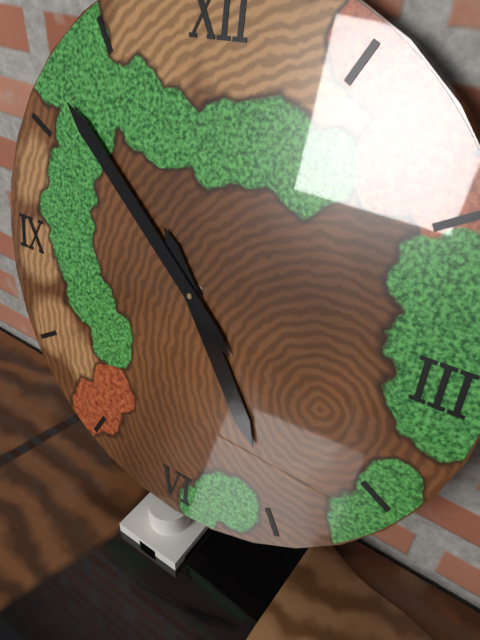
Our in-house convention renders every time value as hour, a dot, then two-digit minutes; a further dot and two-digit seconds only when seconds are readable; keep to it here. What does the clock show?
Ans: 4.52
